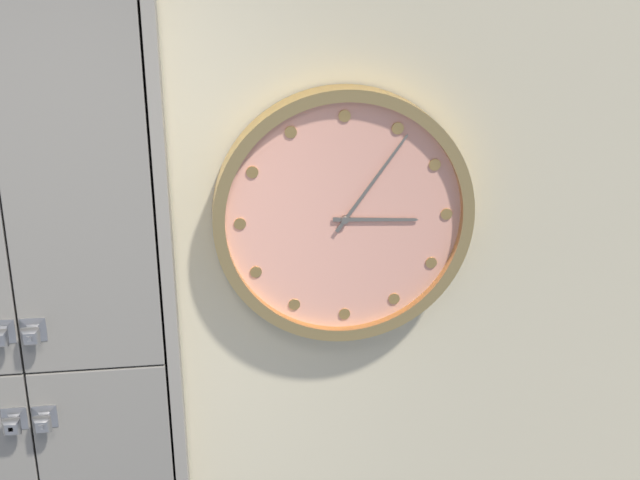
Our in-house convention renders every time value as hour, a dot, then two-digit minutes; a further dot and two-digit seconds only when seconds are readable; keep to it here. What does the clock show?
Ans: 3.06
